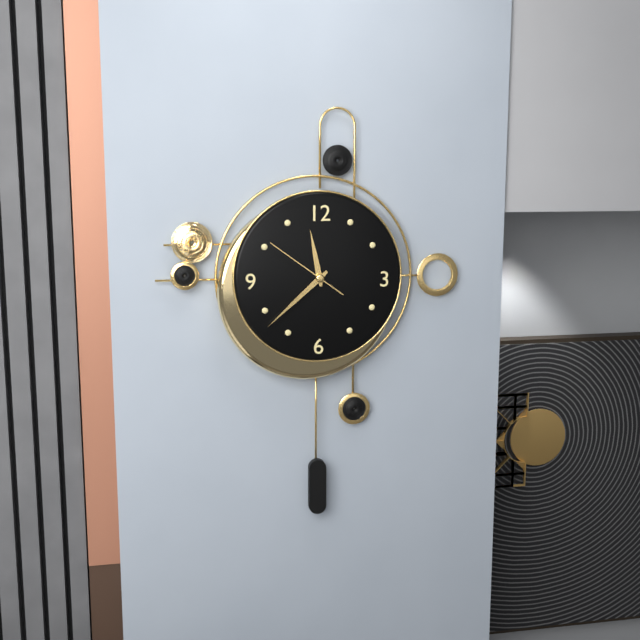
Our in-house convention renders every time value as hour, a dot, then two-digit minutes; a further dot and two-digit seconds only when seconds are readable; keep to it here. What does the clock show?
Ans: 11.38.51
